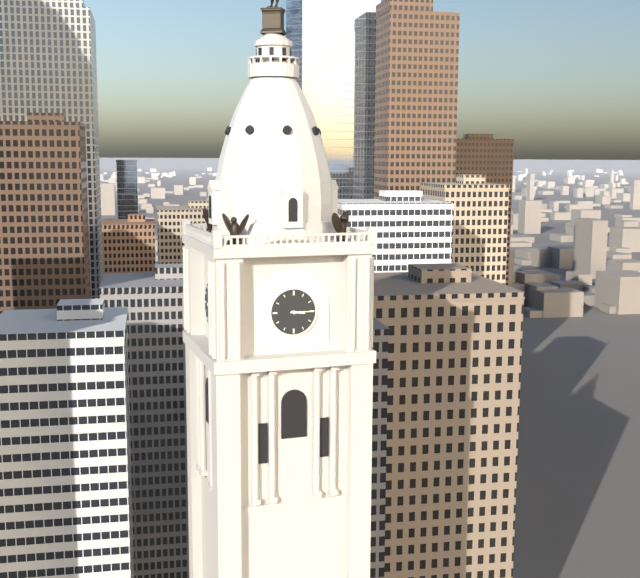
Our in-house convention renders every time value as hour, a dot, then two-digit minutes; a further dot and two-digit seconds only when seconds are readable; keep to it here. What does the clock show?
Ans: 3.15
